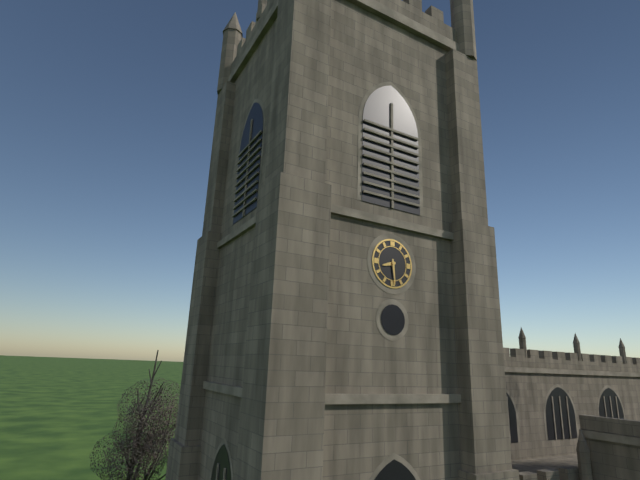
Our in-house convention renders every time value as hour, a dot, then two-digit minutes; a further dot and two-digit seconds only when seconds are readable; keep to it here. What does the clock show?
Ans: 8.29
